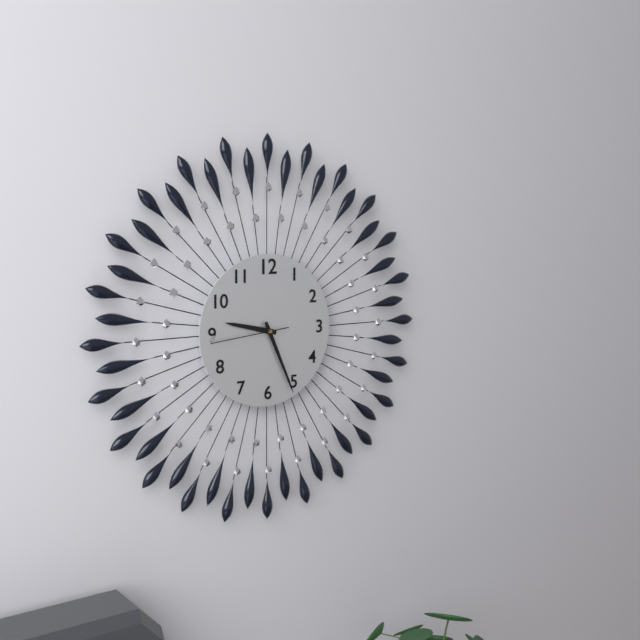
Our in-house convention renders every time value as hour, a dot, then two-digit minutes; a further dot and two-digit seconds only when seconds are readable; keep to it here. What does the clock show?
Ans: 9.26.44
